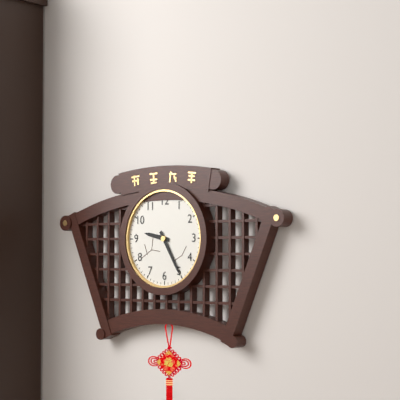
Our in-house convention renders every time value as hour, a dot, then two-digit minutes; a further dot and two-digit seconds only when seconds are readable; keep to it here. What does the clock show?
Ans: 9.25
